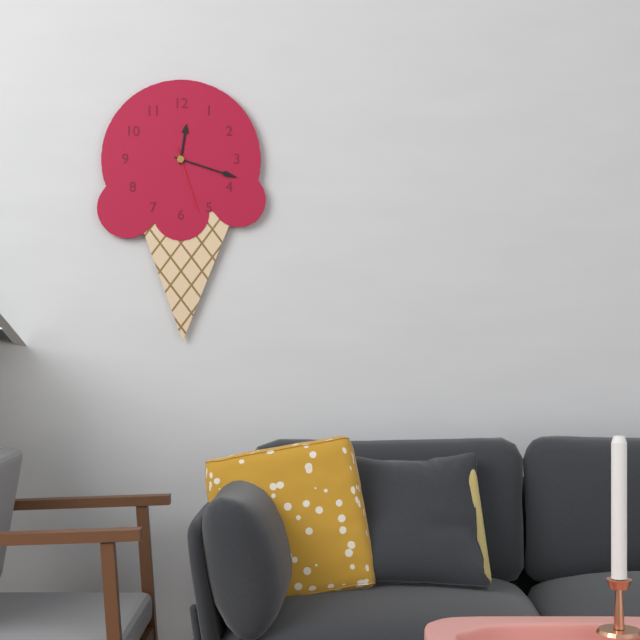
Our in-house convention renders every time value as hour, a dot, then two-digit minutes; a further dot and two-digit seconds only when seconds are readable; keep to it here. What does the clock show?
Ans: 12.18.27
